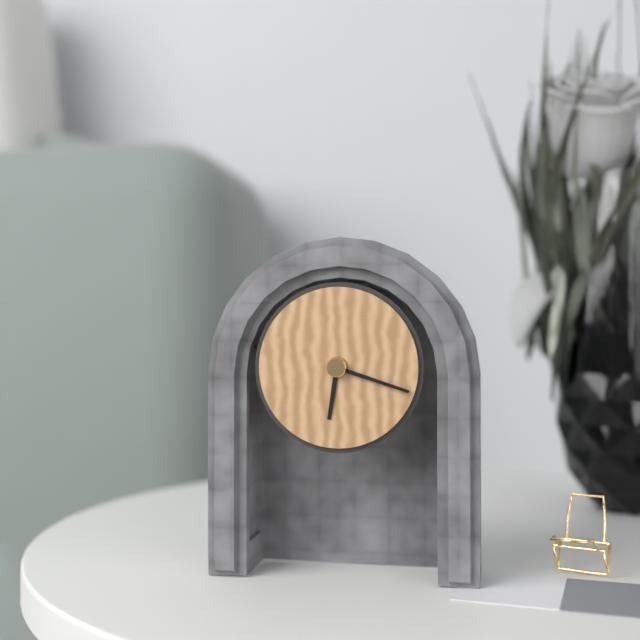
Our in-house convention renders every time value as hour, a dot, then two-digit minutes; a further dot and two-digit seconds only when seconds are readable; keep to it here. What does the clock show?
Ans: 6.18
